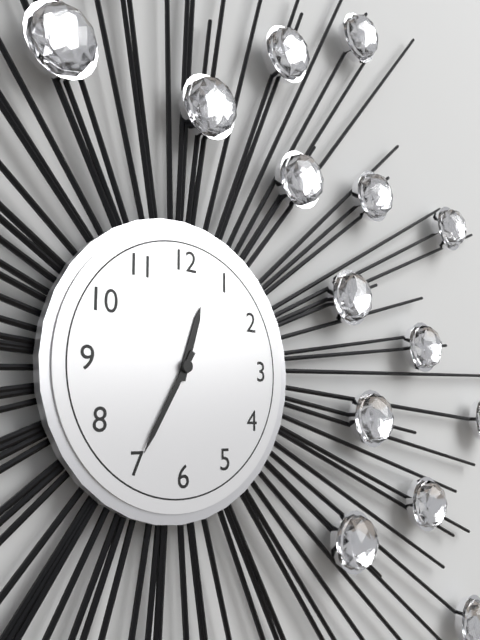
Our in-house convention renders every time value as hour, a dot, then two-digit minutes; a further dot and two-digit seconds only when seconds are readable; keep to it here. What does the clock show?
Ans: 12.35
